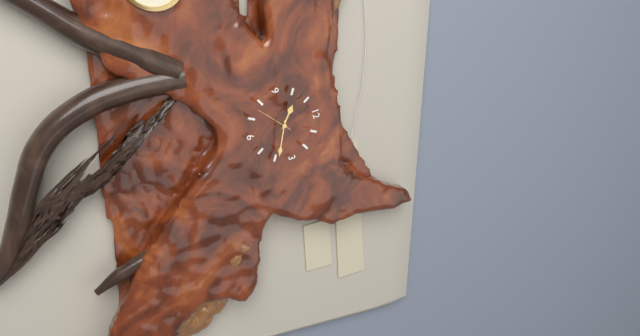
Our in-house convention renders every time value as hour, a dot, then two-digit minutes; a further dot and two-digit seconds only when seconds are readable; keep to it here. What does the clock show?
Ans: 10.19
